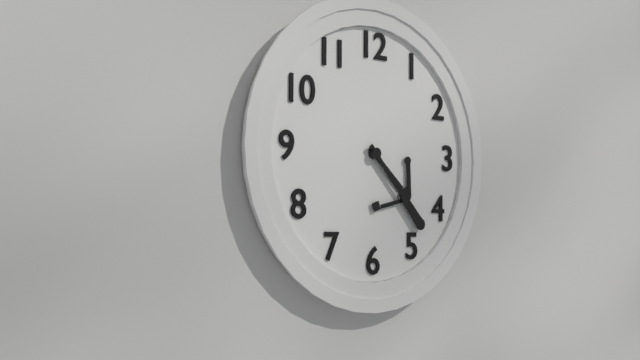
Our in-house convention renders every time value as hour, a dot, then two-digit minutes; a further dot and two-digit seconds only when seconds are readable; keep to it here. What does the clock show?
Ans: 4.23
